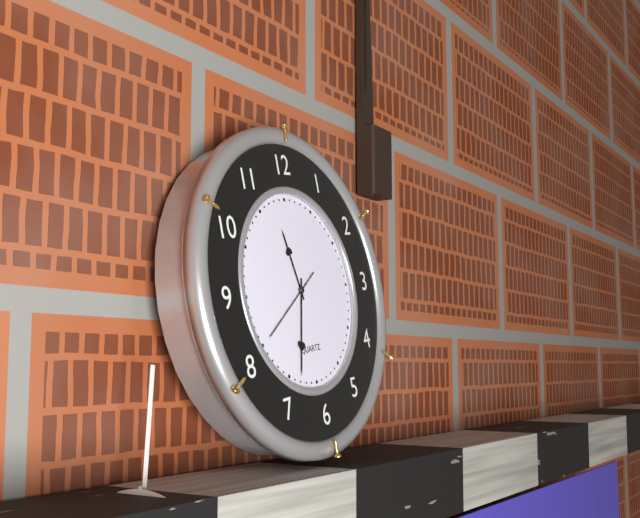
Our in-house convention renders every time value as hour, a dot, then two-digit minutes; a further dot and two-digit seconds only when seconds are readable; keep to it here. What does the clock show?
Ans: 11.33.40
